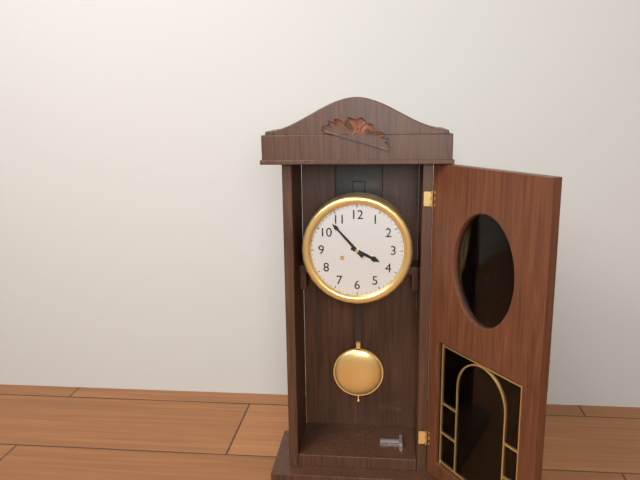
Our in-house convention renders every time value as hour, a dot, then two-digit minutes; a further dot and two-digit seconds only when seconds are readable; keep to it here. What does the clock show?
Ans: 3.53
